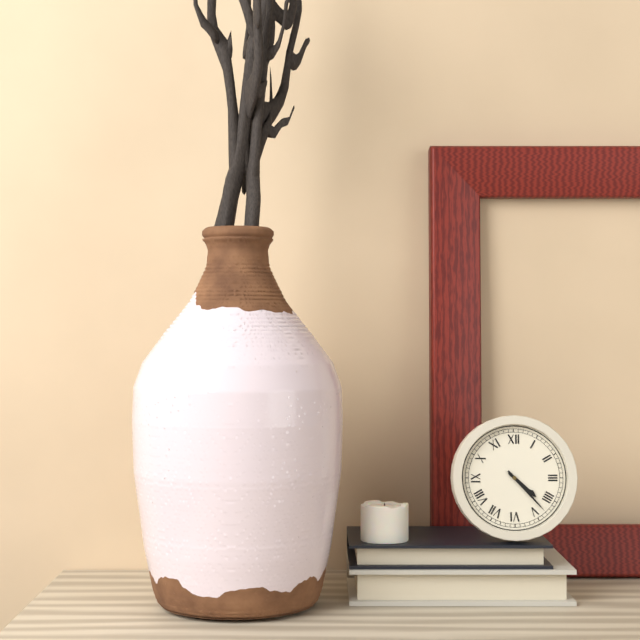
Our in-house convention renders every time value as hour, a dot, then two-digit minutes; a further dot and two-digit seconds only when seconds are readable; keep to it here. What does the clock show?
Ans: 4.23
